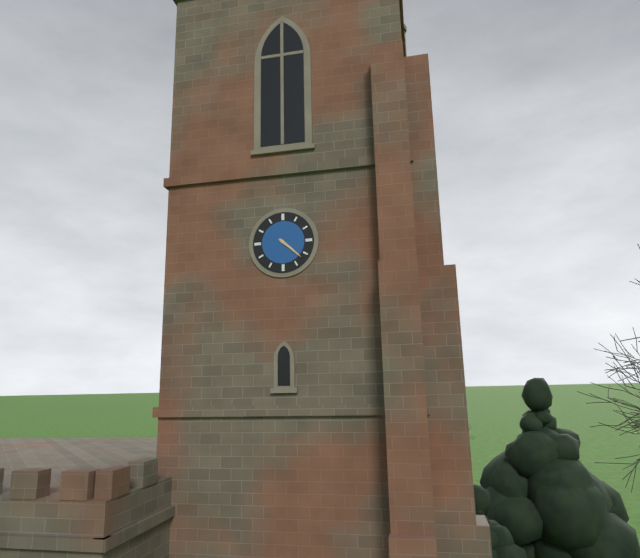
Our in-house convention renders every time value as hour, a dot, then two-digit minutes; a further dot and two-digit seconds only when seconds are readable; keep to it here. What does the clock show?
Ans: 4.22
